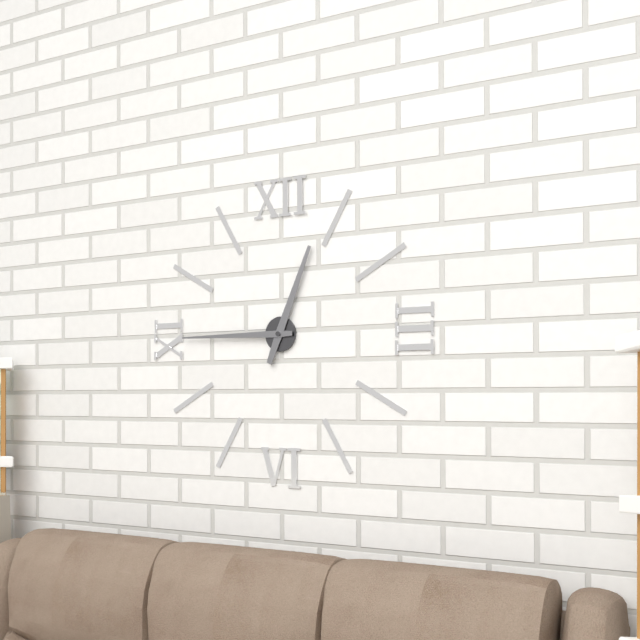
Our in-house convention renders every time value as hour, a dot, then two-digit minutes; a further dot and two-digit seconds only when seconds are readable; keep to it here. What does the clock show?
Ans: 12.45
